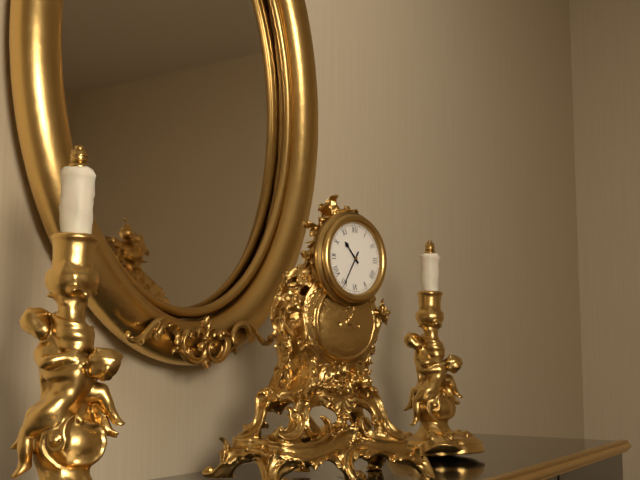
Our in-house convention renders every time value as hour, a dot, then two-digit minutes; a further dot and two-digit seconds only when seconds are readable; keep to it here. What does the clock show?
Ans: 10.35
